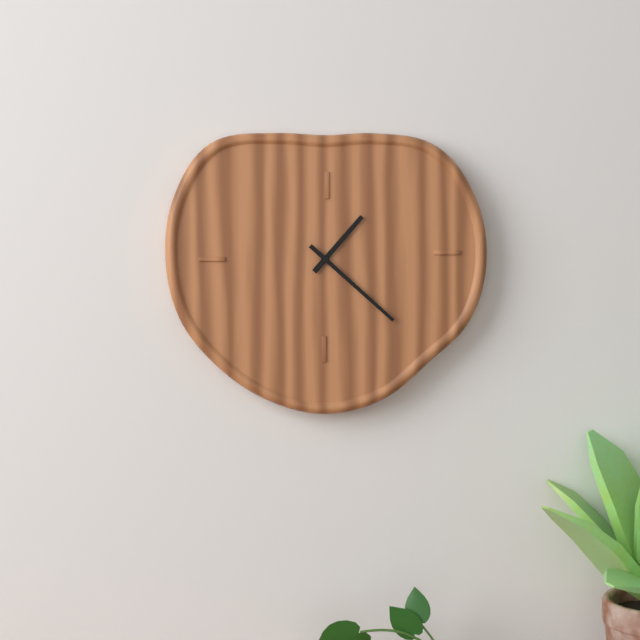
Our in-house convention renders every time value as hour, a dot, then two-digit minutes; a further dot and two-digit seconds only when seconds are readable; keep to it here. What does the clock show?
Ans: 1.22
